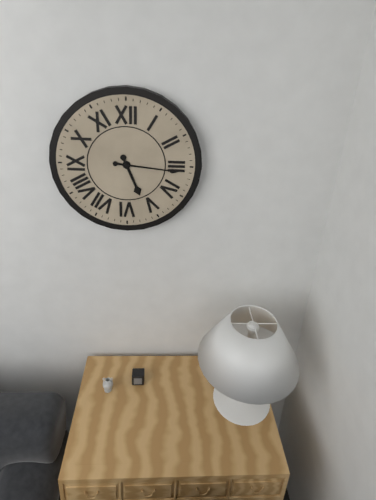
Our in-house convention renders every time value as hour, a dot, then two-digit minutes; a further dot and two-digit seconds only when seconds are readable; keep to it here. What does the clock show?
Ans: 5.16
